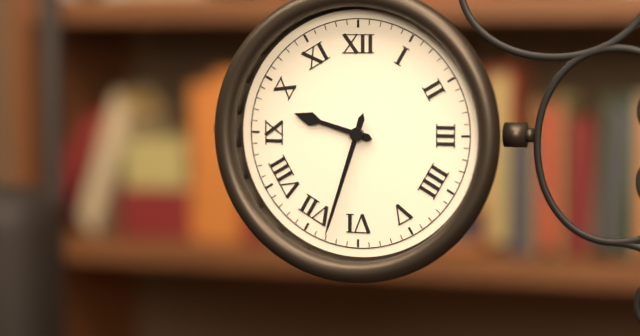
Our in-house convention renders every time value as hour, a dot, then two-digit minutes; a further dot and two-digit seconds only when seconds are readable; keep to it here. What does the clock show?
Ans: 9.33
